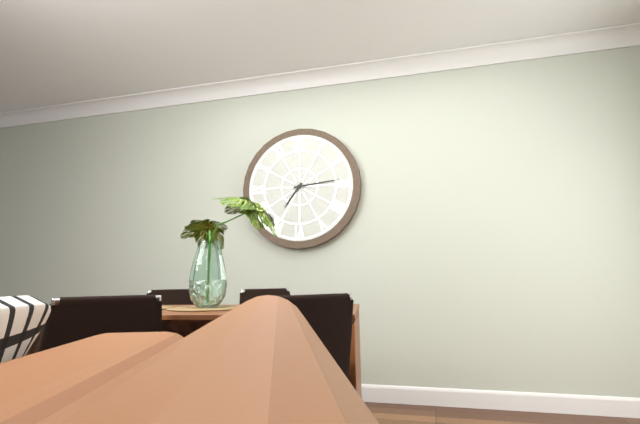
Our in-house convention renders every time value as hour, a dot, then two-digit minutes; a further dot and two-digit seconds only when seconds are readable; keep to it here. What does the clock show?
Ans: 7.14
